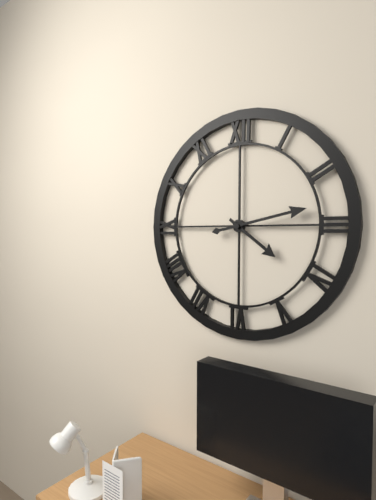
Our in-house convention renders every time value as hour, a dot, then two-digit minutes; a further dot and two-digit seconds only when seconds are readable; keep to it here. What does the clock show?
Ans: 4.13
